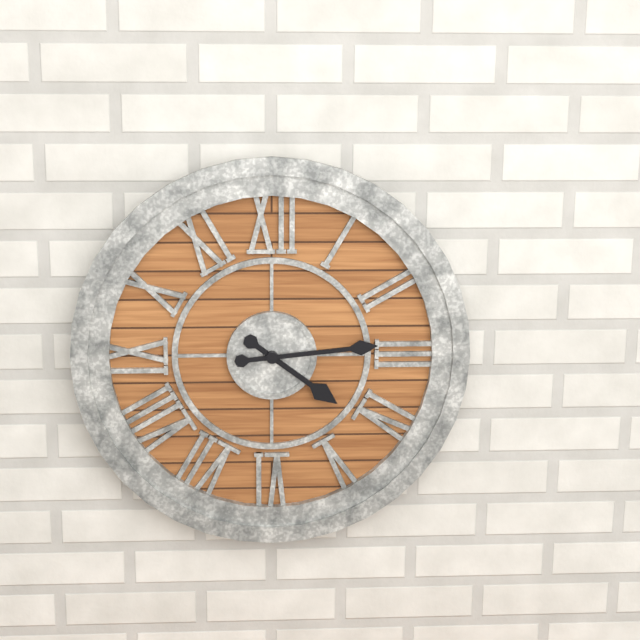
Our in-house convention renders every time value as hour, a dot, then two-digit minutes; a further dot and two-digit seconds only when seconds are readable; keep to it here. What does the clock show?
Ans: 4.14
